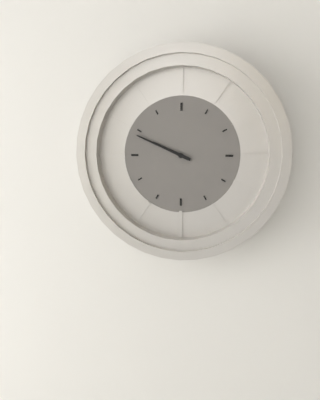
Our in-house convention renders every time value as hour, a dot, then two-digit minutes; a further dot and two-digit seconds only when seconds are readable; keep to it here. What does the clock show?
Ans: 9.49
